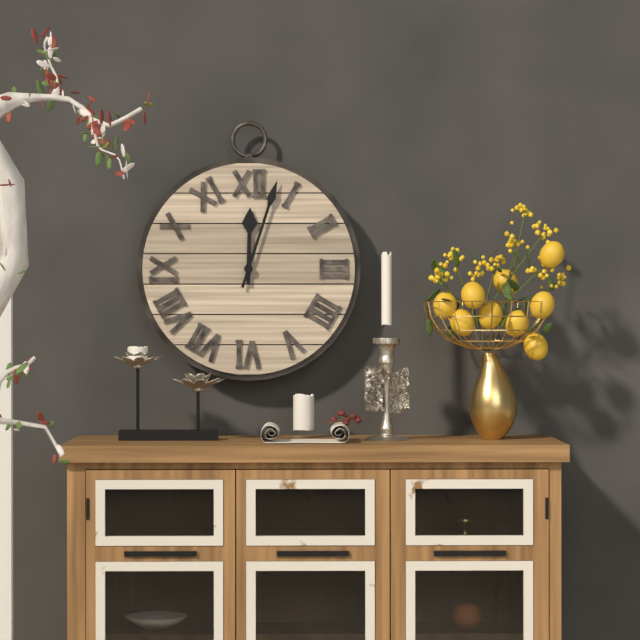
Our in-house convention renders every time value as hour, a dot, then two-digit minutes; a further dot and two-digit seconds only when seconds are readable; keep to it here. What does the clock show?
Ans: 12.03
